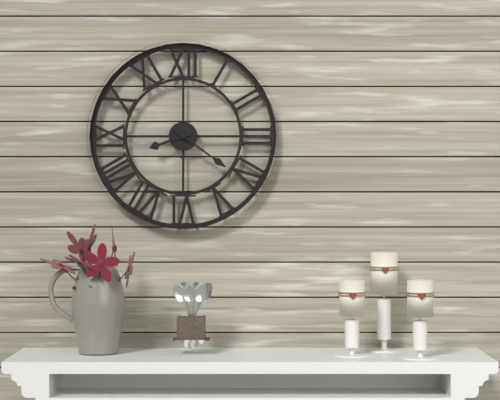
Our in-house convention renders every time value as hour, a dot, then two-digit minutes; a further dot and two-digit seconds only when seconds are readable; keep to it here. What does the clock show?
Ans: 8.21
